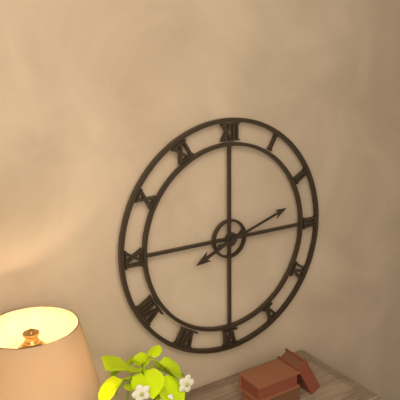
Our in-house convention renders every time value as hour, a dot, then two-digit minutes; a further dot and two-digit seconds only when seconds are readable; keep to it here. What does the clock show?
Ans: 8.12
